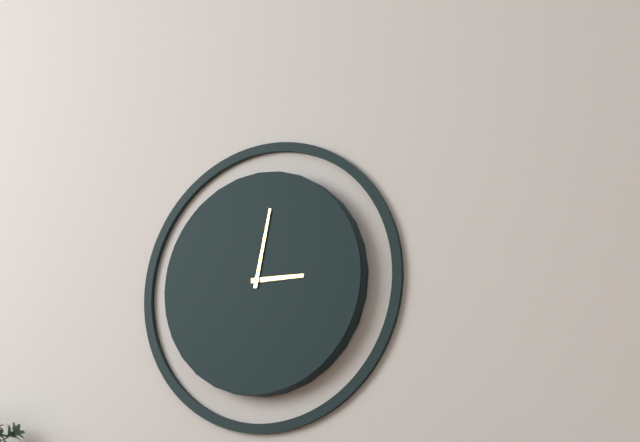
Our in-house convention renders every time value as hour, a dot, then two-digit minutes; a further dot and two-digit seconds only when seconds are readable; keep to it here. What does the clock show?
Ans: 3.02
